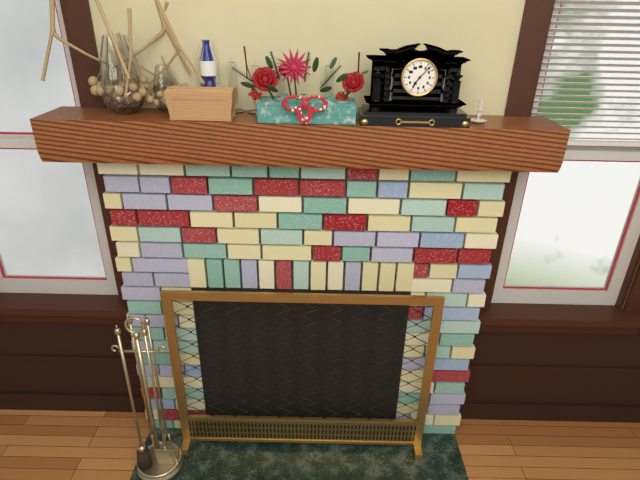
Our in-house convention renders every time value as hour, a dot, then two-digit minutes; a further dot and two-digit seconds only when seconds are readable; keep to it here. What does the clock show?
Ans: 7.07
